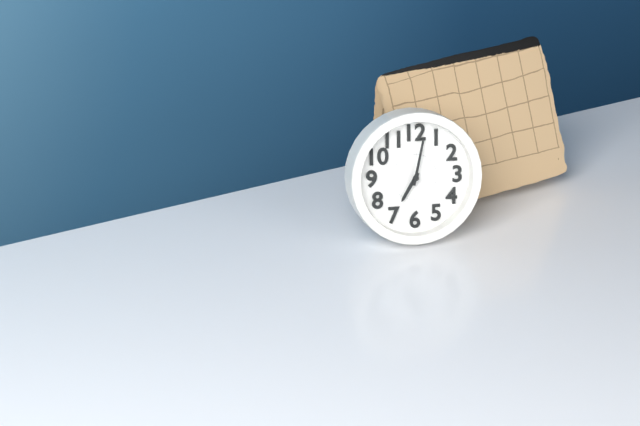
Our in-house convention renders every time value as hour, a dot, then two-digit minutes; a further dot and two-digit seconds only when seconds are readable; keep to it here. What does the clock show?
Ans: 7.02
